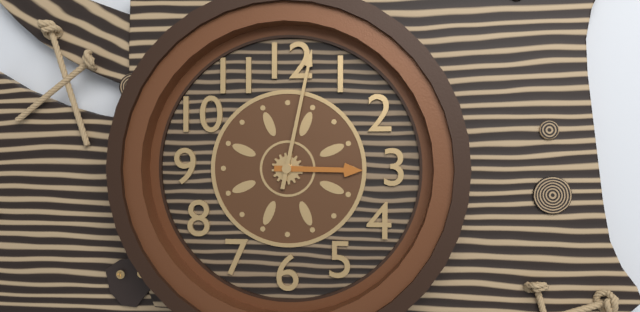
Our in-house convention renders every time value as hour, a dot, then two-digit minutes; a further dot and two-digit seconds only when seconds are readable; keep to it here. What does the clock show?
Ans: 3.02
